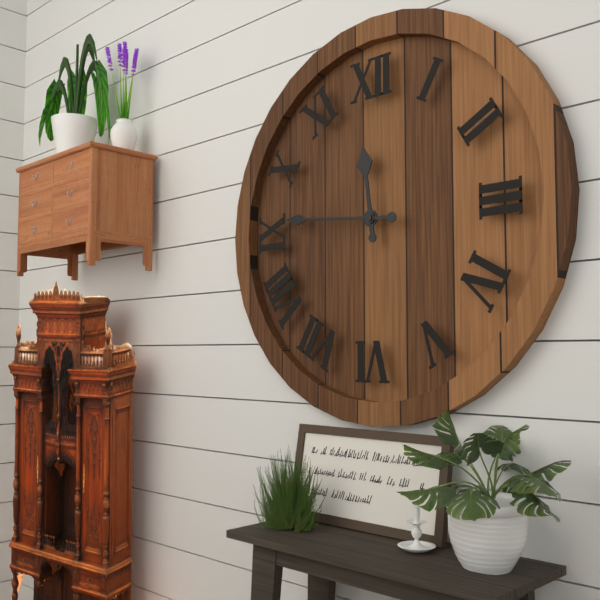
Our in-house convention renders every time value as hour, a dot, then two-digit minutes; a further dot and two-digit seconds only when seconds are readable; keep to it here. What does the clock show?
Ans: 11.46
